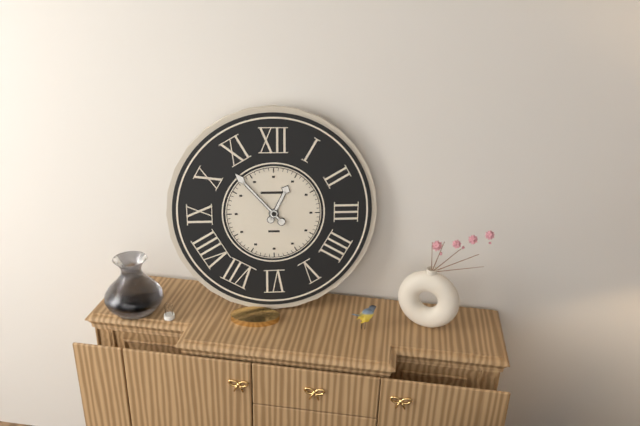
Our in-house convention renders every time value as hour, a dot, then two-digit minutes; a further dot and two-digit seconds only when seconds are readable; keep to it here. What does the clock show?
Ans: 12.53
